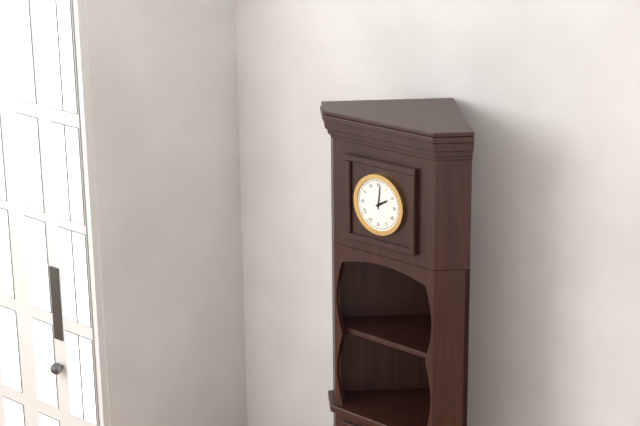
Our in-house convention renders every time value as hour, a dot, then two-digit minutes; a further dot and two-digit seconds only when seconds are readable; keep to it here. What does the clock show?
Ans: 2.01
